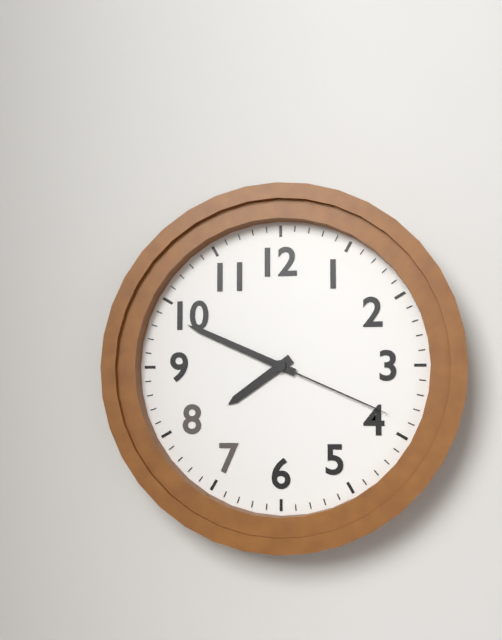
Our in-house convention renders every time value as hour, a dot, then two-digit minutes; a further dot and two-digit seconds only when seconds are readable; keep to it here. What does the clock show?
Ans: 7.49.19
